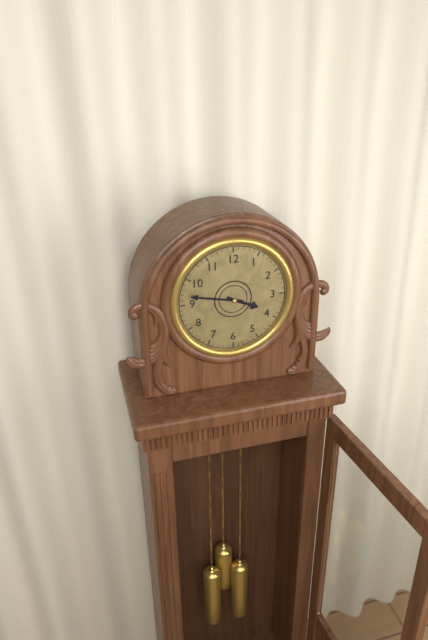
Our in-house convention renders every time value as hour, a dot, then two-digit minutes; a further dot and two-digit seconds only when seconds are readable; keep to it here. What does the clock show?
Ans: 3.47
